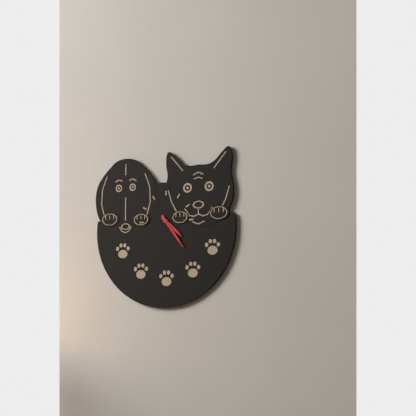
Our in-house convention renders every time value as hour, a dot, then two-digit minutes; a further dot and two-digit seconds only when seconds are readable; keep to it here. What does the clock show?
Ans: 4.24
